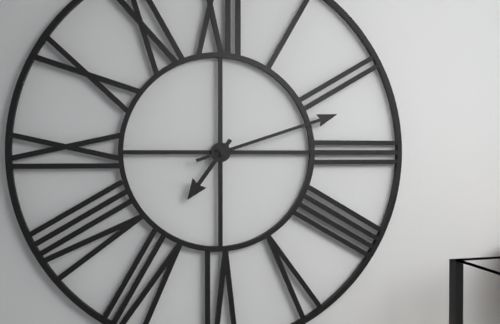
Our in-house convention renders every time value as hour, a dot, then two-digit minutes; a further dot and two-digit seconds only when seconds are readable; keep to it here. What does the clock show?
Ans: 7.12
